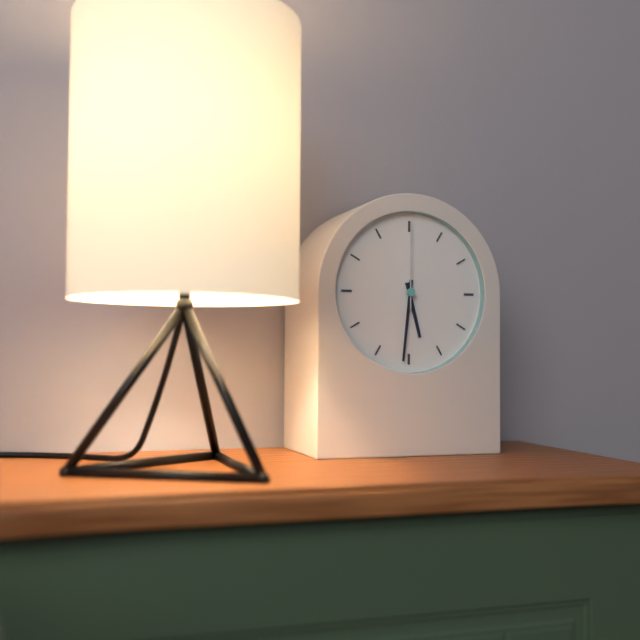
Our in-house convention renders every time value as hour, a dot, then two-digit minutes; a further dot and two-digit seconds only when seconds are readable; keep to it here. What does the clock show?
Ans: 5.31.00
